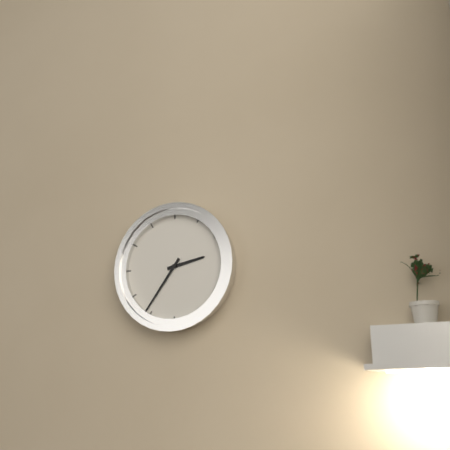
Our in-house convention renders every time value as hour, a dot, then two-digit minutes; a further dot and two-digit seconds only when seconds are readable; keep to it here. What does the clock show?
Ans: 2.36
